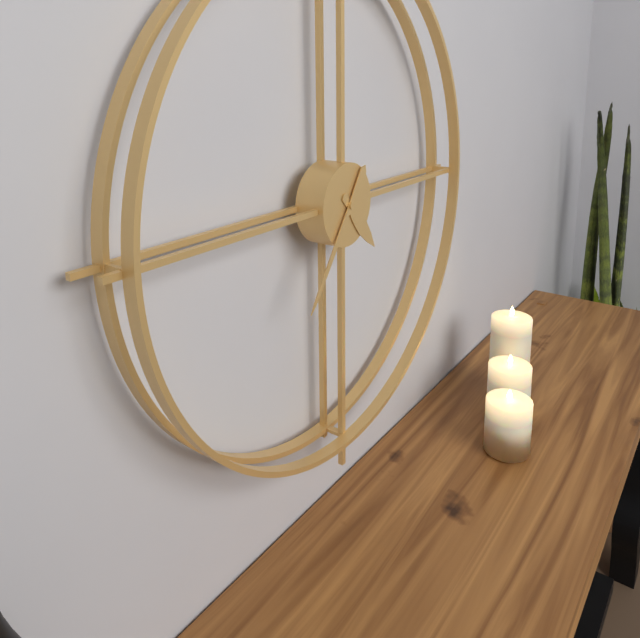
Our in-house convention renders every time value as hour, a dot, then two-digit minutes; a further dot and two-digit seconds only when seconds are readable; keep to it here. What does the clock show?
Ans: 4.36
